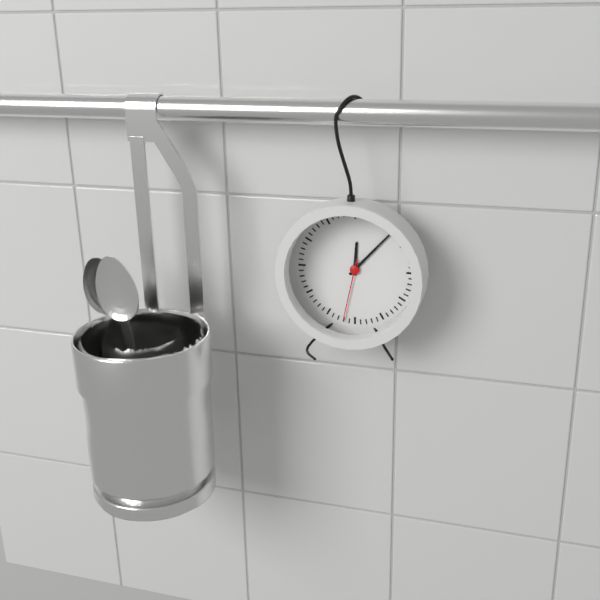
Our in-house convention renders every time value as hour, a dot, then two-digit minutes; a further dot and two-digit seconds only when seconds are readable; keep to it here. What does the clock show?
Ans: 12.07.32
